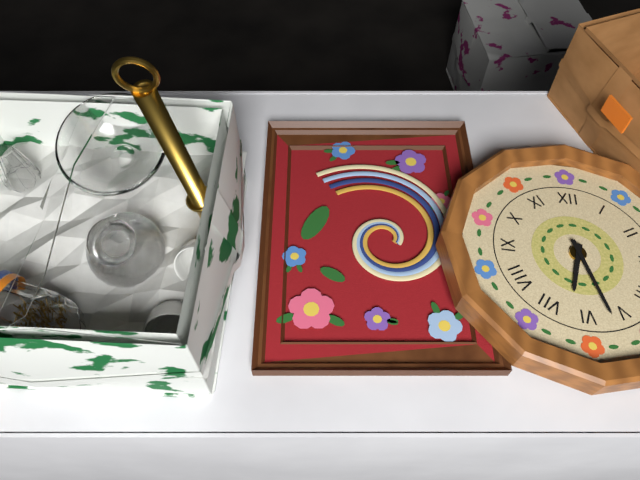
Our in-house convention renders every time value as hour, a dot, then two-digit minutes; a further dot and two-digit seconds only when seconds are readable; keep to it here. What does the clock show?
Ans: 6.27
